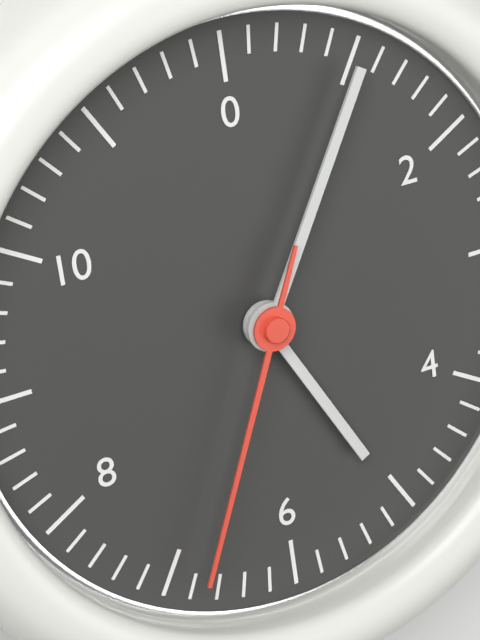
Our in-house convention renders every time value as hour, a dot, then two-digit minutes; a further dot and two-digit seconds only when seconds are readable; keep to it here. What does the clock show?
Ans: 5.05.34
